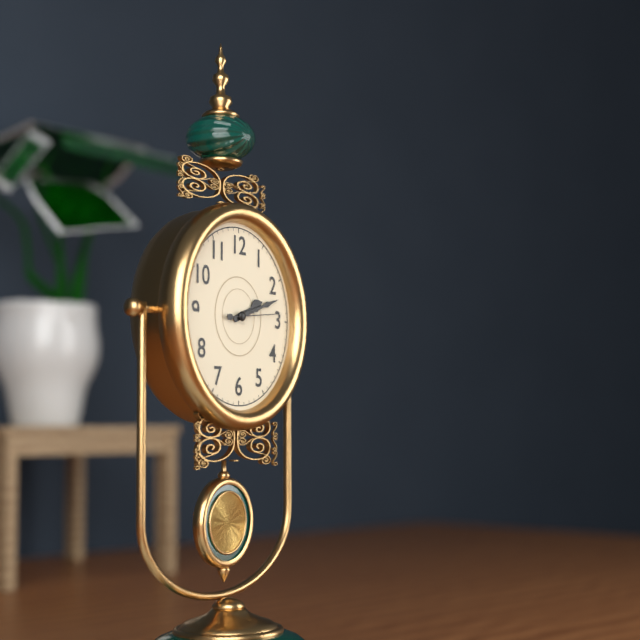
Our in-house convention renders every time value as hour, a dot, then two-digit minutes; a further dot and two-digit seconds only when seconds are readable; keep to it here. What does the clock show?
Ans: 2.12.14
